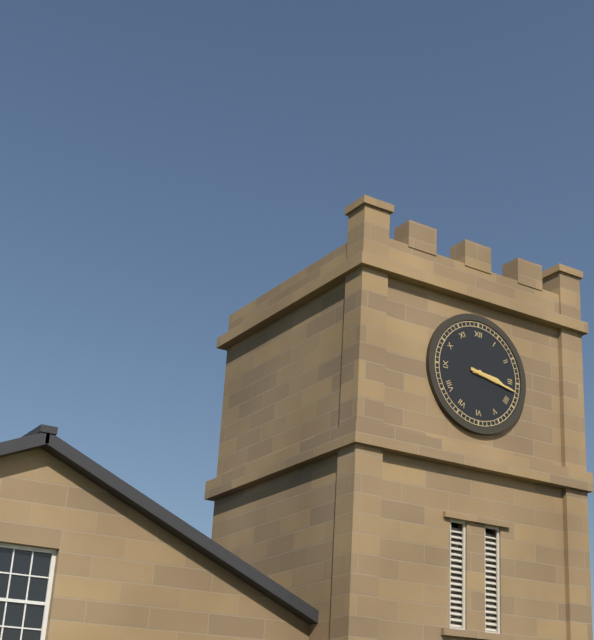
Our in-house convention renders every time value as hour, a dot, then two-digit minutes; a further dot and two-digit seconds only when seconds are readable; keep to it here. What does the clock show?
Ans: 3.17
